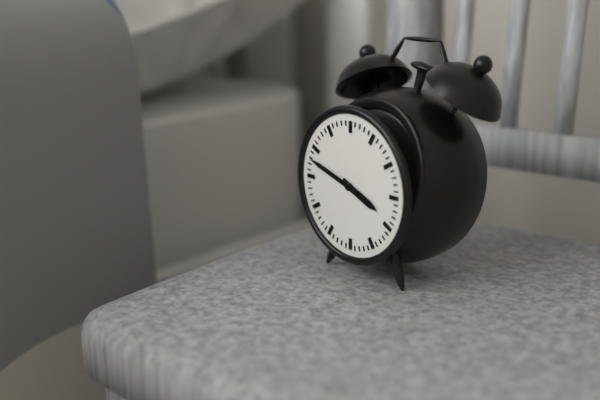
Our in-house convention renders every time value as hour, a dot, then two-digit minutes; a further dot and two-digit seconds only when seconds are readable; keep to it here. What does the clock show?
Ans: 3.48
